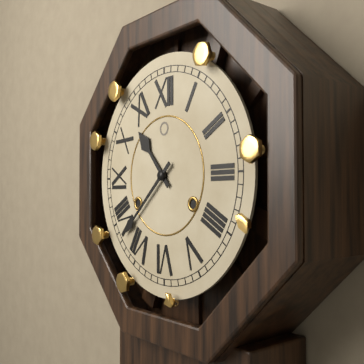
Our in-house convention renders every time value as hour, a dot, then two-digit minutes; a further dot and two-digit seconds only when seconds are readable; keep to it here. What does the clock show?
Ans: 10.38
